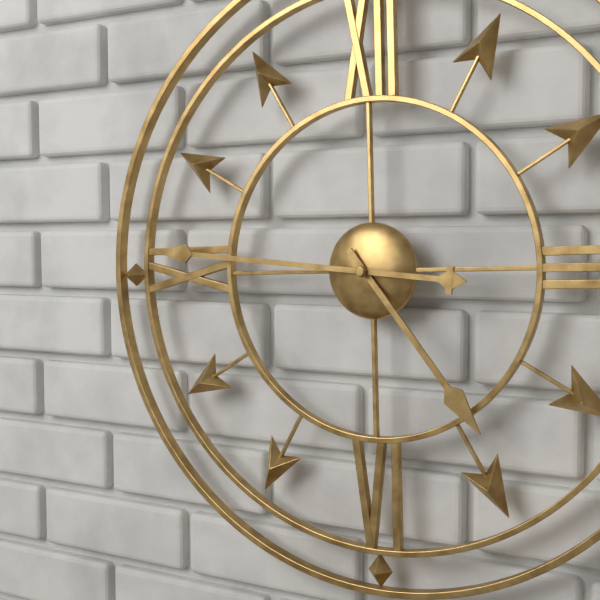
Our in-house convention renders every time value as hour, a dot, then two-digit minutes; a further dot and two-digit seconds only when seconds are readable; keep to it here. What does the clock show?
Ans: 4.46
